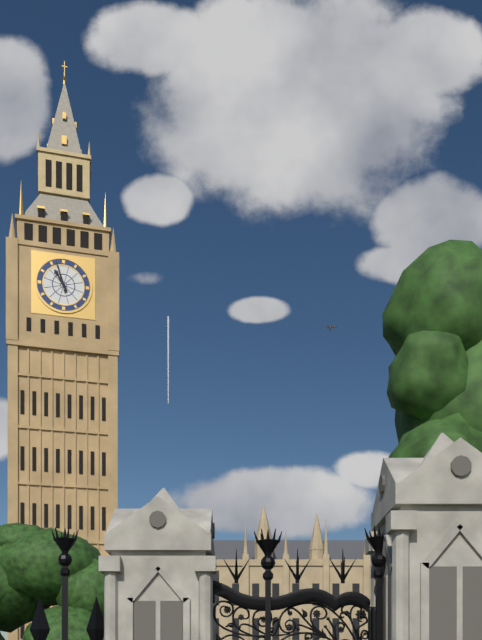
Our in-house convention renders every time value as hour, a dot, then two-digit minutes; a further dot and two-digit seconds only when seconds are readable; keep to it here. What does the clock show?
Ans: 10.57
